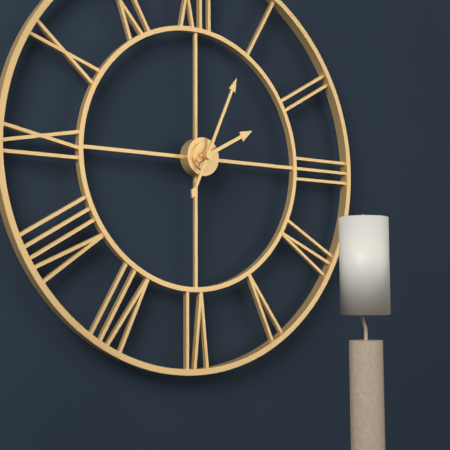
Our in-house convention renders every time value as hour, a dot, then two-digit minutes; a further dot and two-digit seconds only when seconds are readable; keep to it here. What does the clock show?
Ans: 2.04
